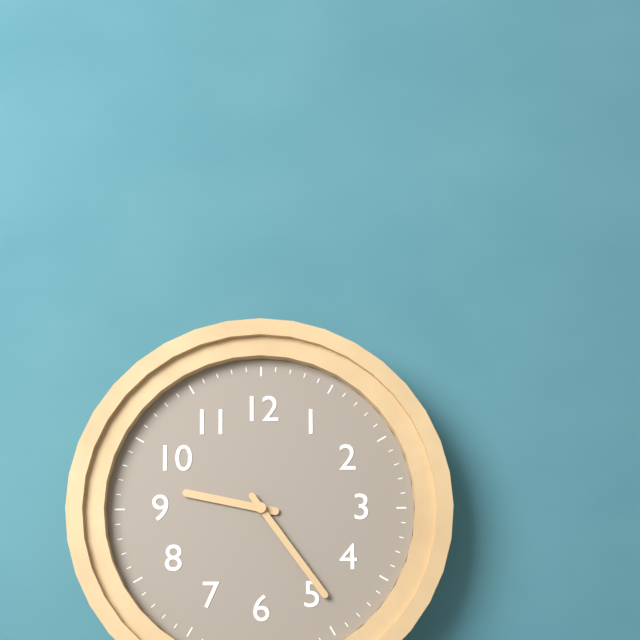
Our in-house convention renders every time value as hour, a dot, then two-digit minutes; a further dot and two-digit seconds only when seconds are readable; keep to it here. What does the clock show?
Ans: 9.24
